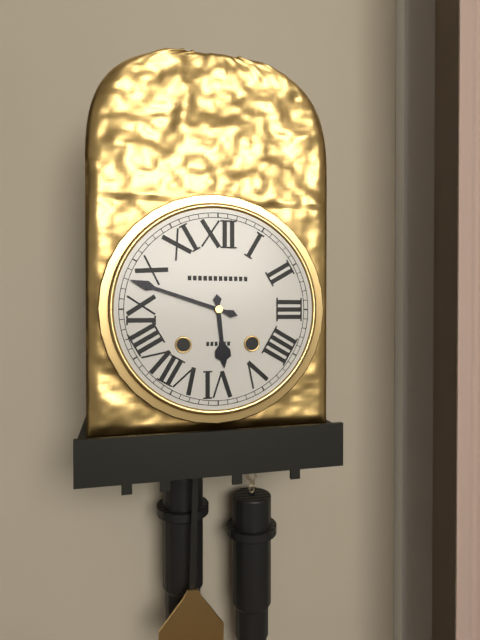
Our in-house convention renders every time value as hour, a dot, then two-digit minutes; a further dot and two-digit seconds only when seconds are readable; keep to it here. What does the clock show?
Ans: 5.48
